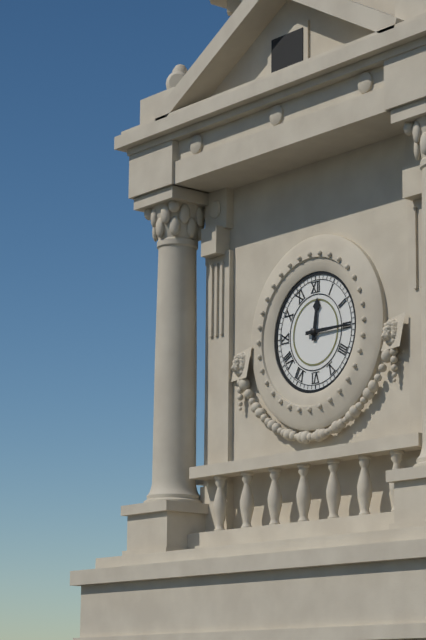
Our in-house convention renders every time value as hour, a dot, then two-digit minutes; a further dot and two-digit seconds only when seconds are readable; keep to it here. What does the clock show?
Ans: 12.15
